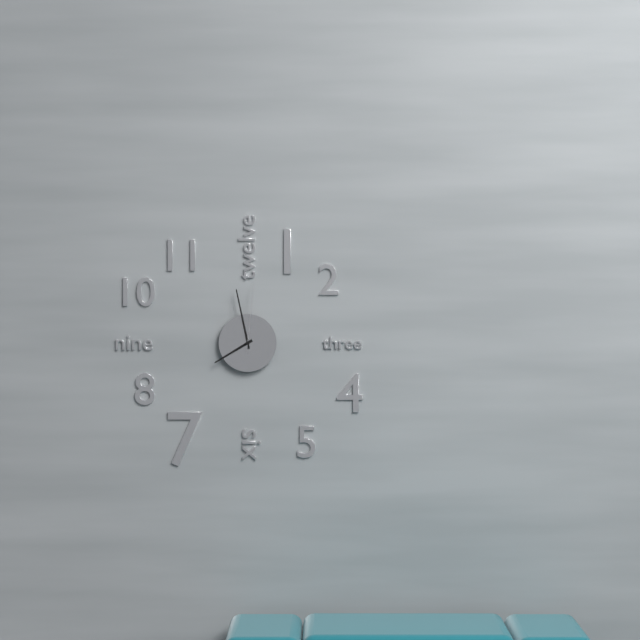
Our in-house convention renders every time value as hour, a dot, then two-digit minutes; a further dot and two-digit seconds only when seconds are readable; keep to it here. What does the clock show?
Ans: 7.58.01
